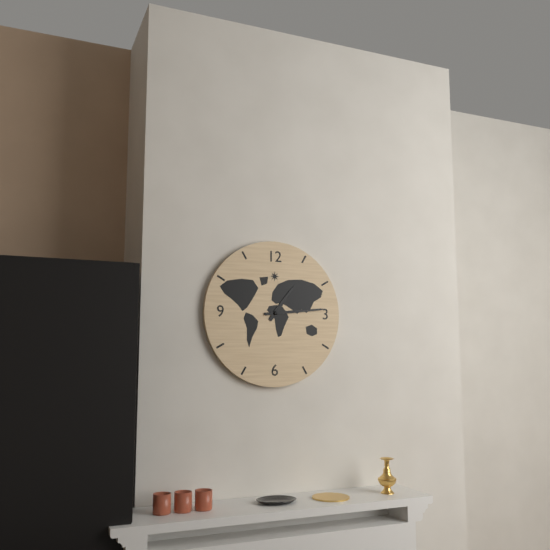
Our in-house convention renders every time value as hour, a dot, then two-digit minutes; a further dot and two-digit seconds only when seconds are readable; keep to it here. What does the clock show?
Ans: 1.14
